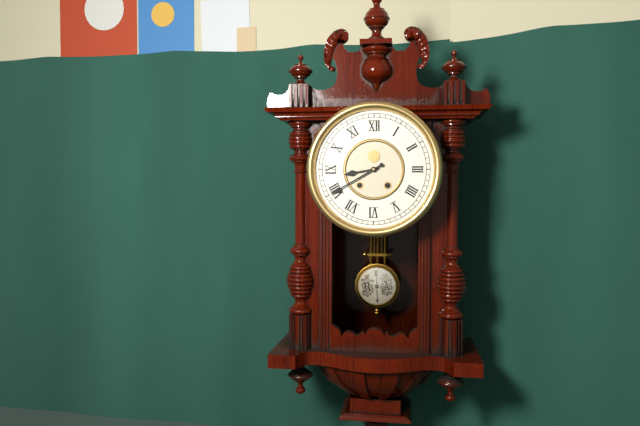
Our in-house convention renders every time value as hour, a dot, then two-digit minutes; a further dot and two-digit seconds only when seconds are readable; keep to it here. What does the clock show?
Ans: 8.40
